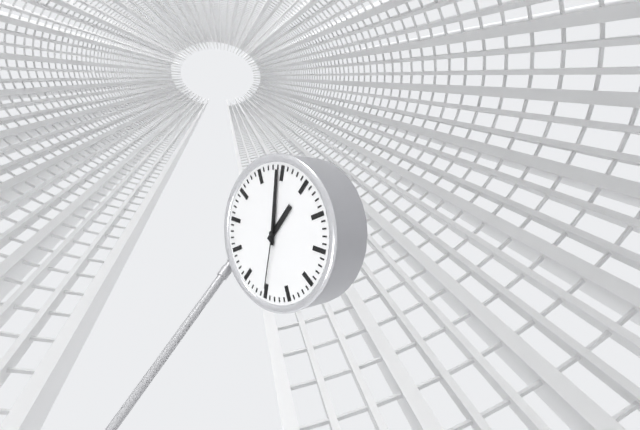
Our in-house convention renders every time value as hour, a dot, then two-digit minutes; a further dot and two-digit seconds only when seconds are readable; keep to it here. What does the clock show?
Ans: 12.59.30
